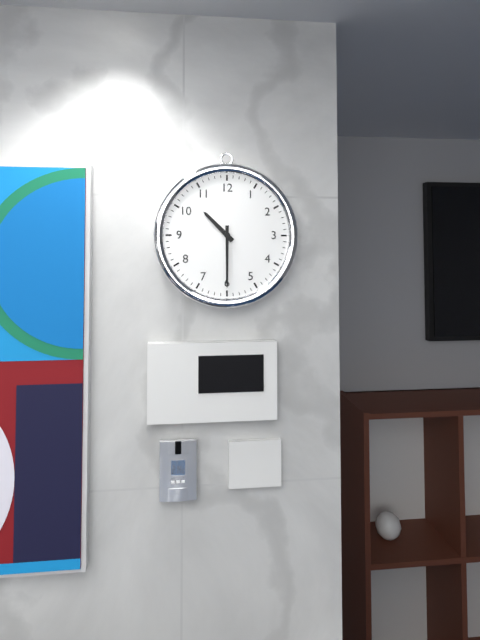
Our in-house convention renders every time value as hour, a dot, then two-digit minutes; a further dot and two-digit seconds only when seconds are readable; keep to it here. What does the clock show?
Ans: 10.30
